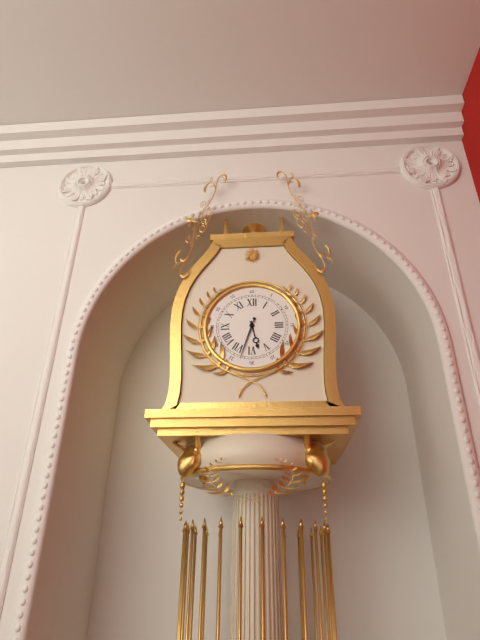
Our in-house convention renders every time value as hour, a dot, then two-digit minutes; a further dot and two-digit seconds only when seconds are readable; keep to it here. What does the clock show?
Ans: 5.33
